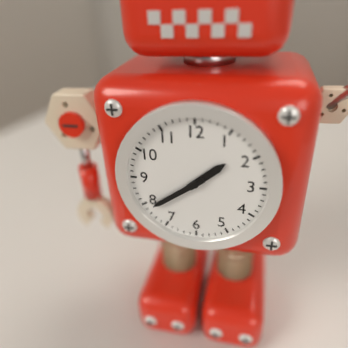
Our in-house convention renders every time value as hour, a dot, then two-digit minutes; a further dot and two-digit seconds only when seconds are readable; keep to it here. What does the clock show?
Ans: 1.39
